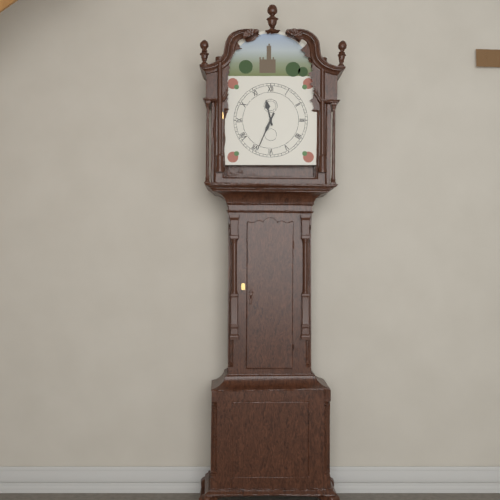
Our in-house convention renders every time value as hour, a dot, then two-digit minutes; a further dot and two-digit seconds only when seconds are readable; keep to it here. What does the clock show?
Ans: 11.34
